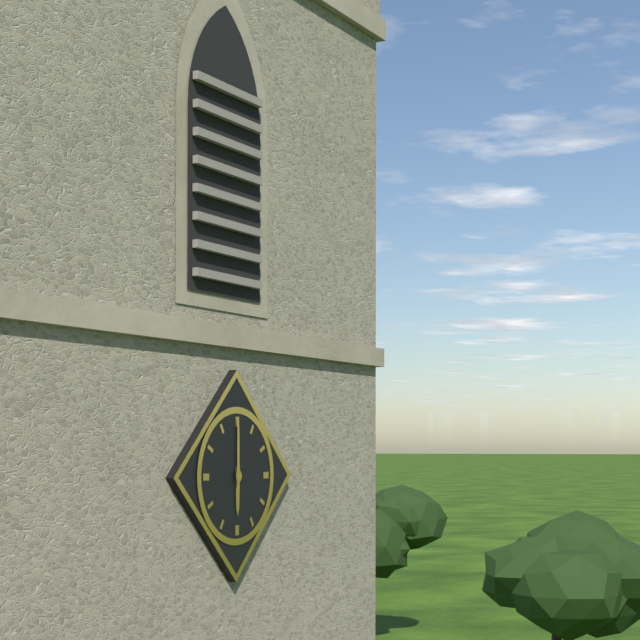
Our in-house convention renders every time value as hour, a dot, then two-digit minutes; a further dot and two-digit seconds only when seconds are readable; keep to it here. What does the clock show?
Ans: 6.00
